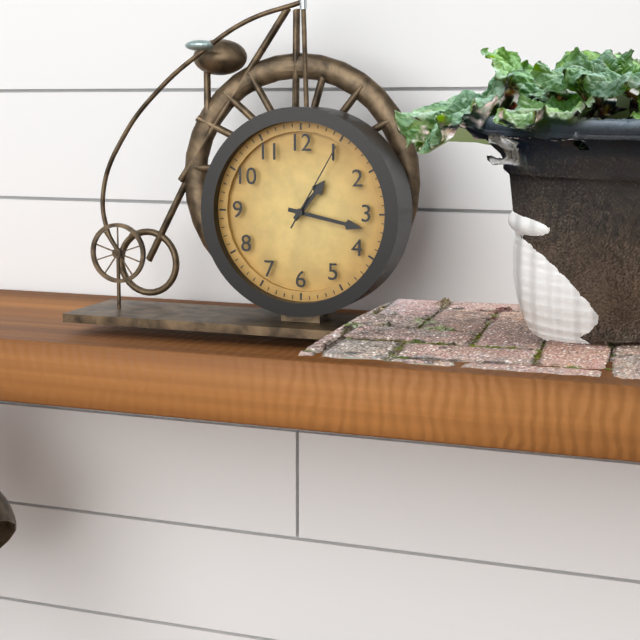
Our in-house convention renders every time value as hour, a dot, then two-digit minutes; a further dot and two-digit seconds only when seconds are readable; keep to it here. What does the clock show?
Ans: 1.17.05
